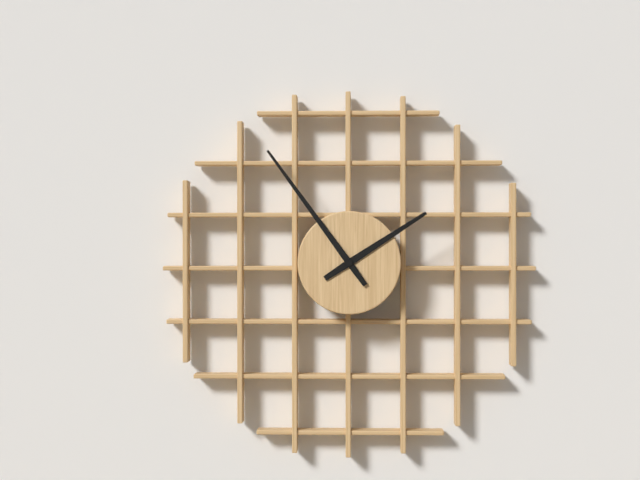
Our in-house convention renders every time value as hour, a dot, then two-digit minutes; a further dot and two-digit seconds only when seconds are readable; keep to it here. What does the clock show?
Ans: 1.54
